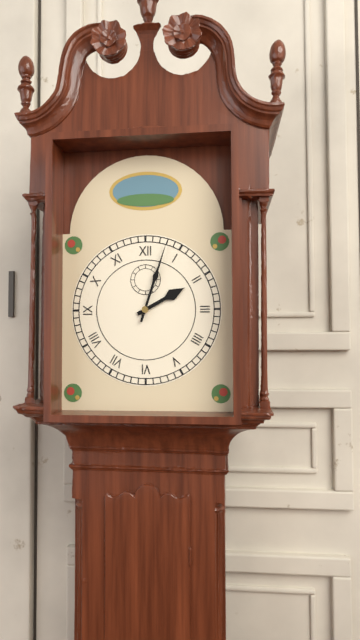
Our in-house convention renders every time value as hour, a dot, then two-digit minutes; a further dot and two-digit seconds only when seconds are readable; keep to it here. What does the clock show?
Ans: 2.03
